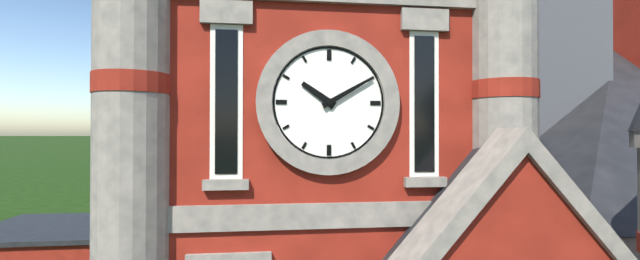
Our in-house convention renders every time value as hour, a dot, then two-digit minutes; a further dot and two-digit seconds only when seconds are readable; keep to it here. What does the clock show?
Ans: 10.10
